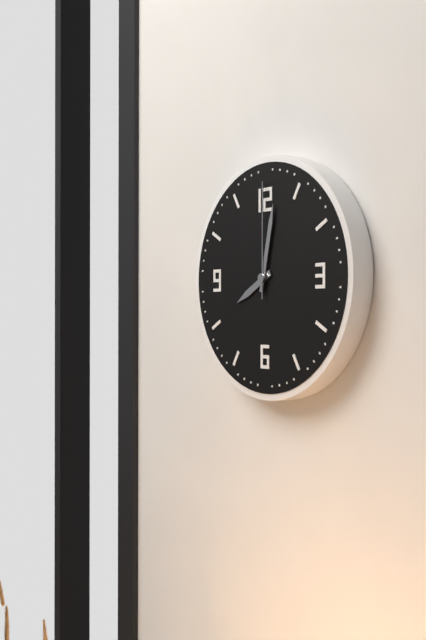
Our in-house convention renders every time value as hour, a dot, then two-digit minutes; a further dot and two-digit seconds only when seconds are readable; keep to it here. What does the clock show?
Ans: 8.02.00
